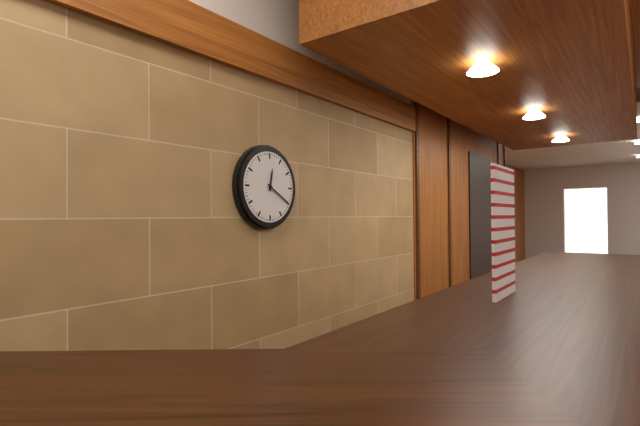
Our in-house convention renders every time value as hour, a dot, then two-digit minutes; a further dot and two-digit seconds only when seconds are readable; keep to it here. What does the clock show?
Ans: 12.20
